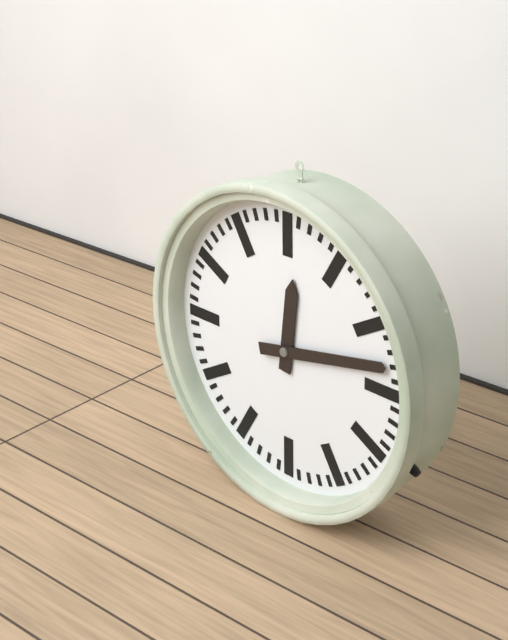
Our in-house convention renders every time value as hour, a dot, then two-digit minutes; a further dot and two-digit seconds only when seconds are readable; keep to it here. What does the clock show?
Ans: 12.13
